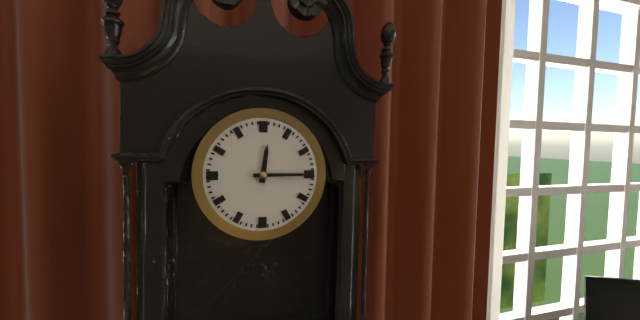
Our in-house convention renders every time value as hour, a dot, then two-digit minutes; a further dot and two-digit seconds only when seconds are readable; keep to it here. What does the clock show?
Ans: 12.15
